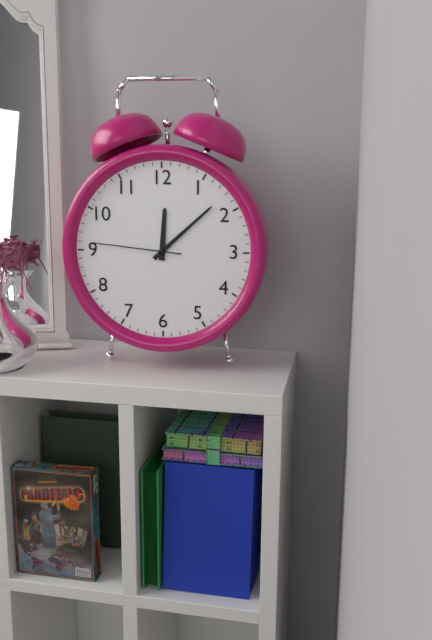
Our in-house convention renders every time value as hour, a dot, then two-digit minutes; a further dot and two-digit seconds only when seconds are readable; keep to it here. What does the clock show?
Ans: 12.08.46
